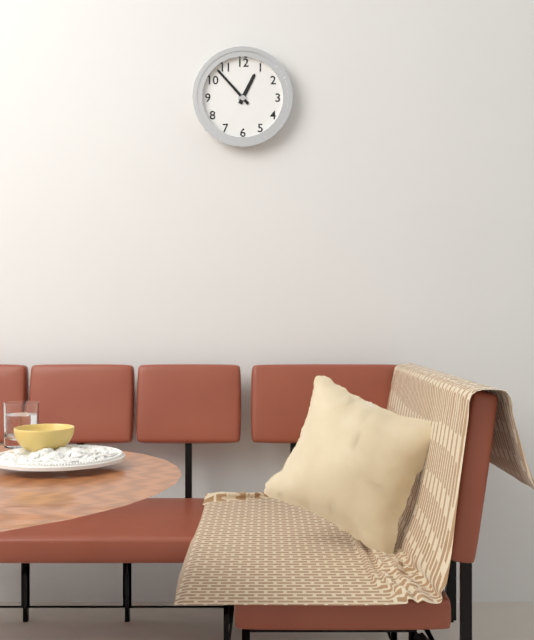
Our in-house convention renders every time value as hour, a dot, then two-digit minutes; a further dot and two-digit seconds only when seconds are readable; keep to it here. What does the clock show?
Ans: 12.53
